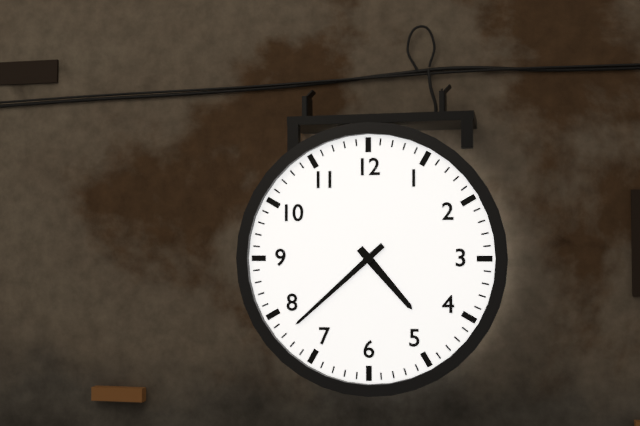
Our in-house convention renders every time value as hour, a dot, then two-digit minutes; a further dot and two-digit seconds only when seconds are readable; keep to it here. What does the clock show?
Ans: 4.38
